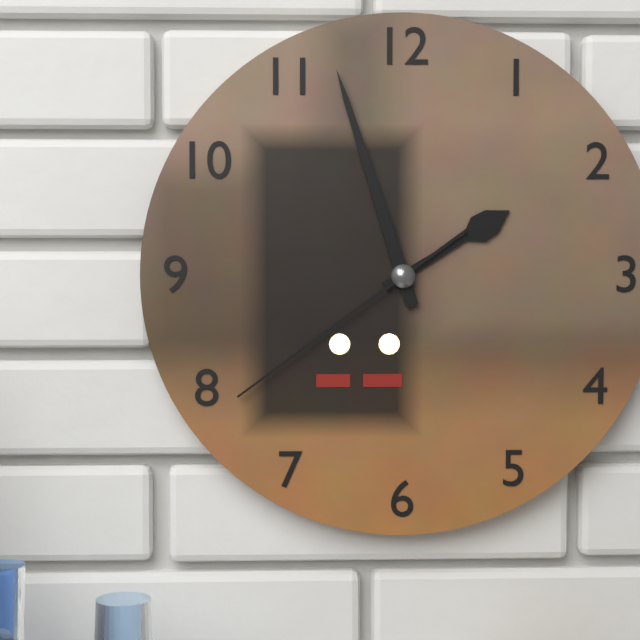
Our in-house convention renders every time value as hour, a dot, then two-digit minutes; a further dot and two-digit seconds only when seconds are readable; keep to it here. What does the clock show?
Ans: 1.57.39
